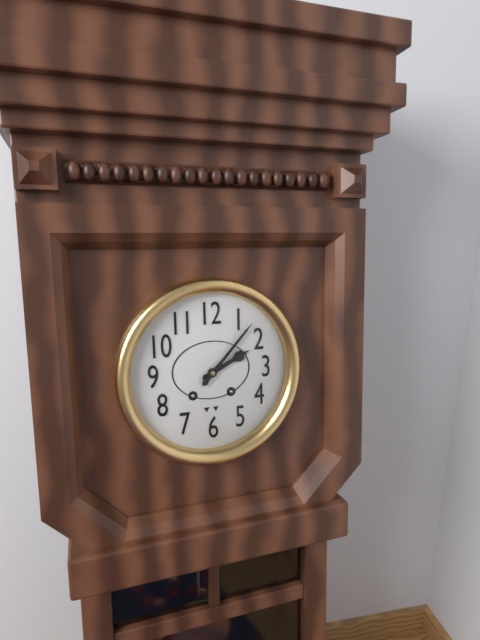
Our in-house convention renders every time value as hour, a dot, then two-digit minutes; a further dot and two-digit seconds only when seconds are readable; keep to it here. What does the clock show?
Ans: 2.07
